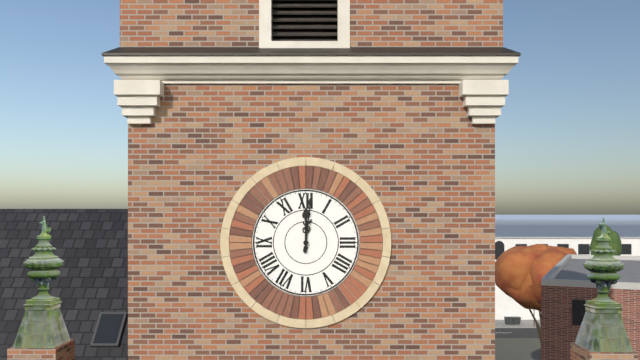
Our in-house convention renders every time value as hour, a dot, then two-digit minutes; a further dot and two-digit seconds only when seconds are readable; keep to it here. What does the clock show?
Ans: 12.01
